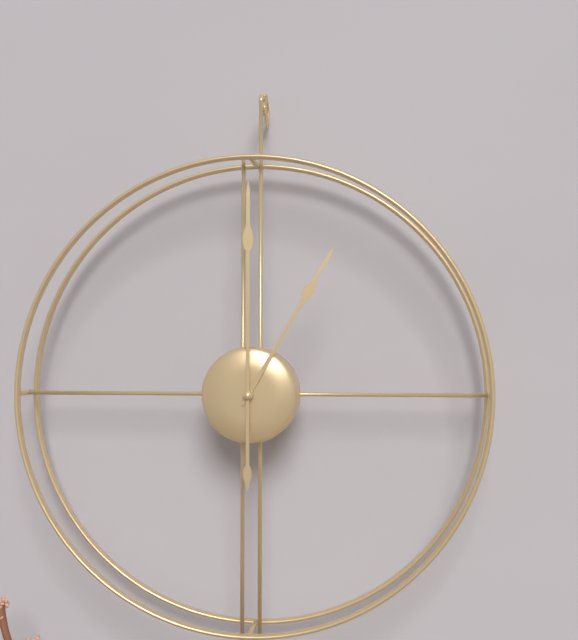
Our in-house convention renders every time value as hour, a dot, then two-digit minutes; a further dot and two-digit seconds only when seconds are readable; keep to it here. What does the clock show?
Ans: 1.00
